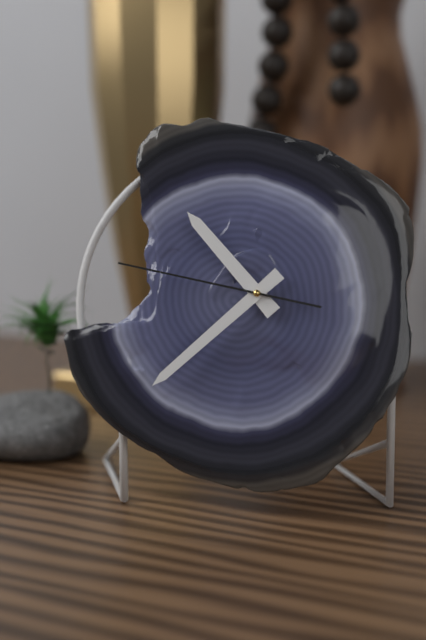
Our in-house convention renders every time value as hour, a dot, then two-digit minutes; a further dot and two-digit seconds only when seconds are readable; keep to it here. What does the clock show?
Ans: 10.38.47
